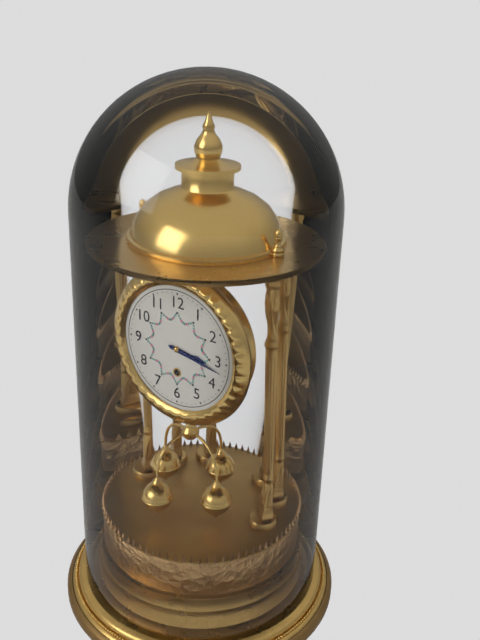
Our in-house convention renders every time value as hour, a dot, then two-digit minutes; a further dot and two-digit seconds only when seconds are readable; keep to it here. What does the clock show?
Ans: 3.17
